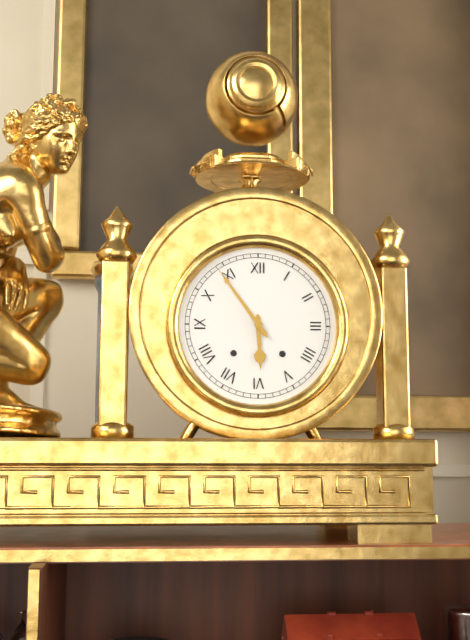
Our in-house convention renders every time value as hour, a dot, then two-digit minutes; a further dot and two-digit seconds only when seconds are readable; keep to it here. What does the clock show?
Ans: 5.54
